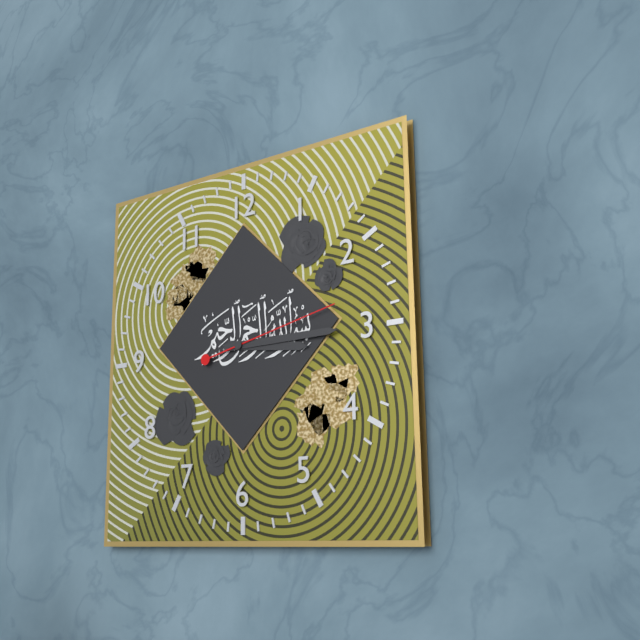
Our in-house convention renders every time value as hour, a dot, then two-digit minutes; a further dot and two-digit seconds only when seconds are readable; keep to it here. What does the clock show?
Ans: 3.15.13
